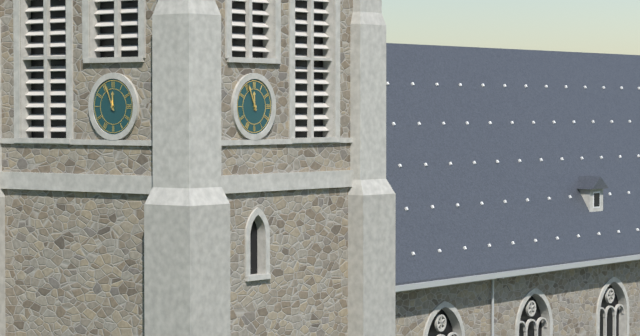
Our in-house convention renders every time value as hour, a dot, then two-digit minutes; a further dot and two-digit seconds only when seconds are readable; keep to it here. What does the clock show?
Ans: 11.56
